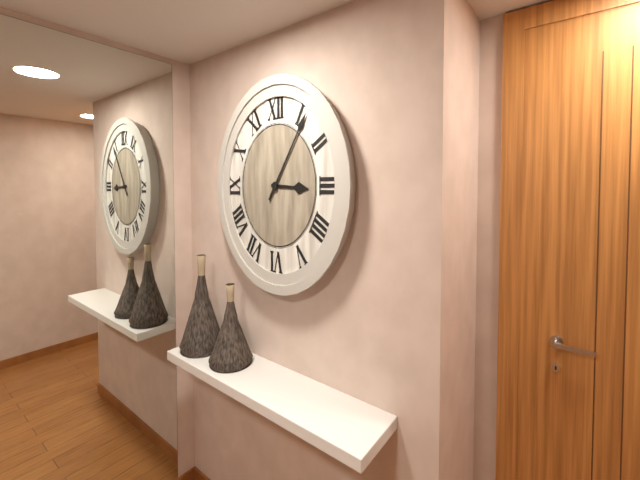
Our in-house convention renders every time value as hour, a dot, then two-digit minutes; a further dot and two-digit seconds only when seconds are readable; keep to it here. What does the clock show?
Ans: 3.06
